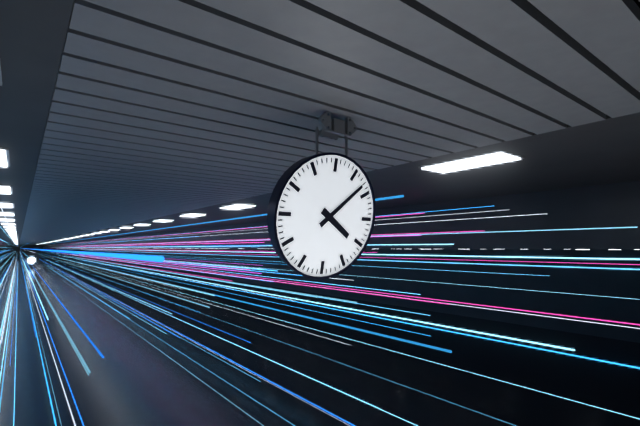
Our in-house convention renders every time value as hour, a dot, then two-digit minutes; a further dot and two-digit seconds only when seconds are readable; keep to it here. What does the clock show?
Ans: 4.08
